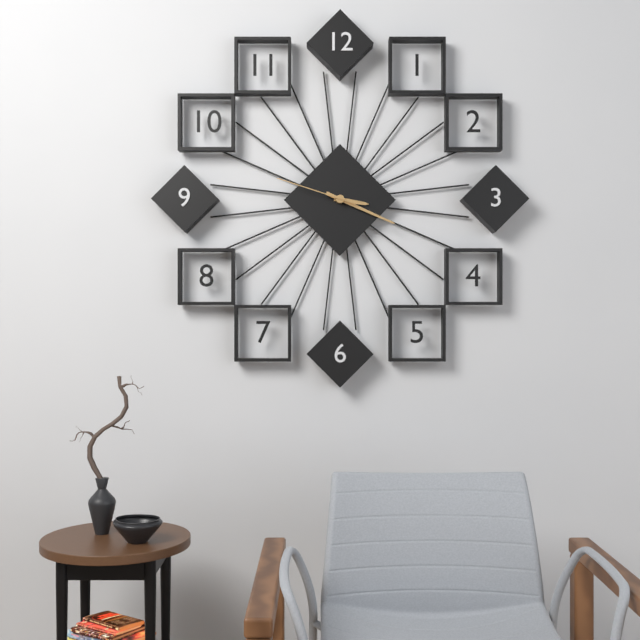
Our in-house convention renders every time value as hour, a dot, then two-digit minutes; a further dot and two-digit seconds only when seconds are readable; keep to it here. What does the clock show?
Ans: 3.19.48
